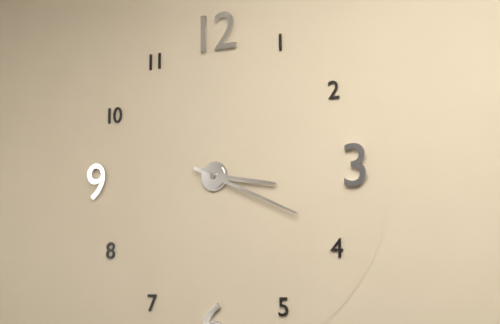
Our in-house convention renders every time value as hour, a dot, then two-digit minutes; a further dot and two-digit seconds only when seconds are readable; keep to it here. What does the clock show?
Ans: 3.19
